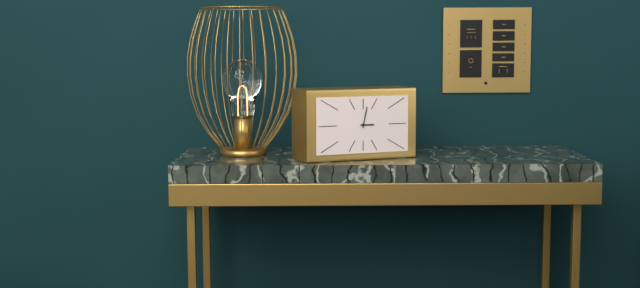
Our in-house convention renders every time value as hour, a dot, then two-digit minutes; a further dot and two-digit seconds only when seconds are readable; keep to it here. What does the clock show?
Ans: 3.02
